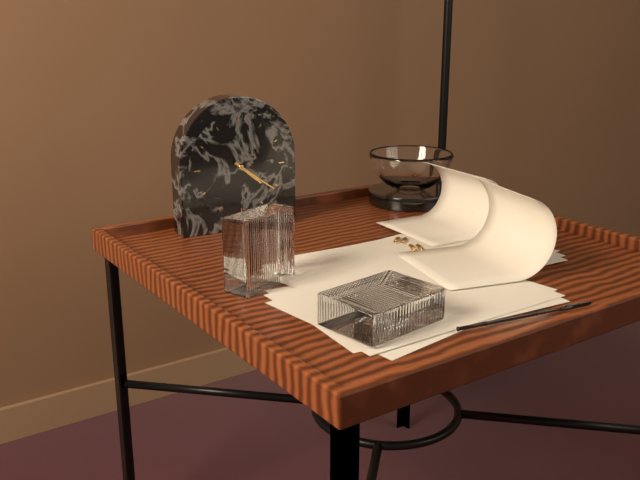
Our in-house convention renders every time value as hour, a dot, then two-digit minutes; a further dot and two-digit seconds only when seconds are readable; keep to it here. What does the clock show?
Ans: 4.21
